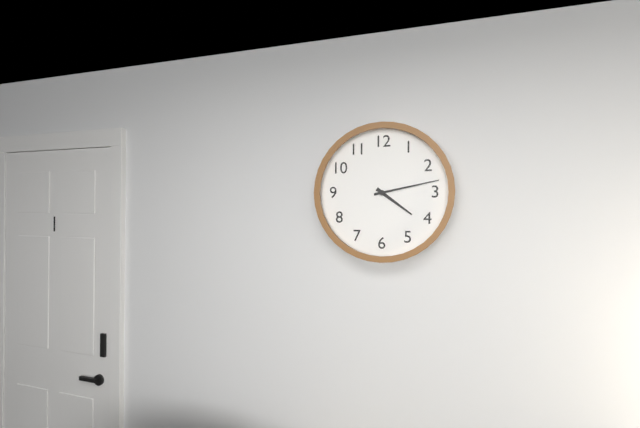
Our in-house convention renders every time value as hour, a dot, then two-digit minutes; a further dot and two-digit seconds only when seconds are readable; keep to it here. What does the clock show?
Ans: 4.13
